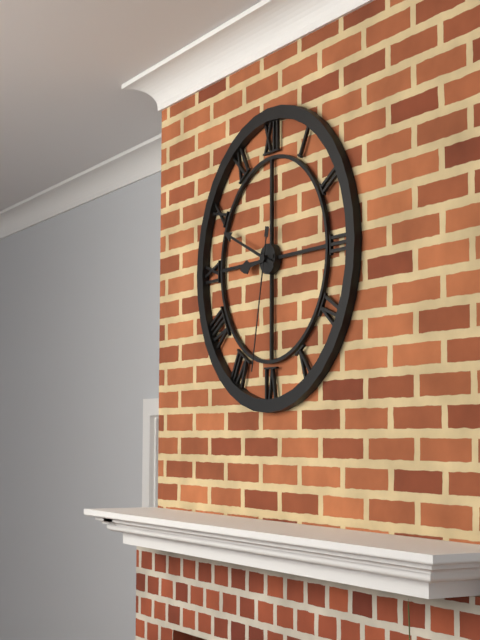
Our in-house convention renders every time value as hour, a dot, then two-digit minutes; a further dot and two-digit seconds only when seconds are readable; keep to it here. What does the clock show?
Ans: 8.49.32
